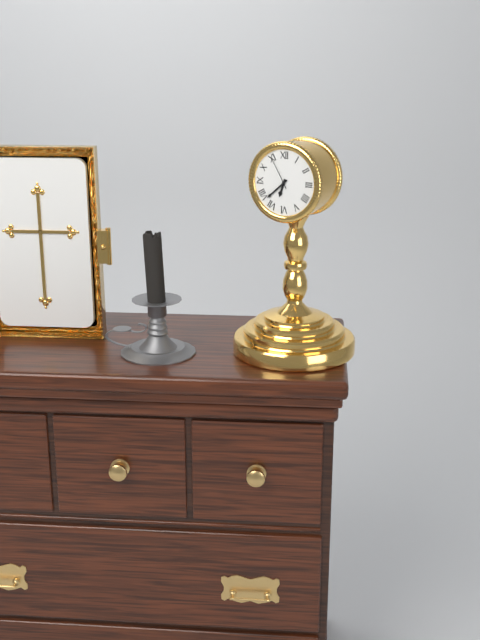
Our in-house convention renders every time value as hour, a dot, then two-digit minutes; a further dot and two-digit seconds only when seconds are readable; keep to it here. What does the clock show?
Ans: 6.38
